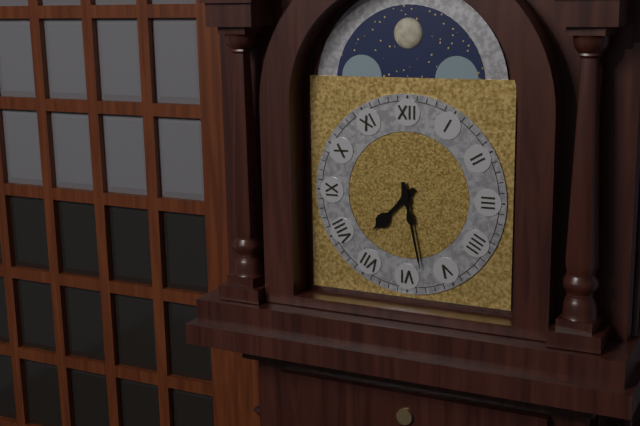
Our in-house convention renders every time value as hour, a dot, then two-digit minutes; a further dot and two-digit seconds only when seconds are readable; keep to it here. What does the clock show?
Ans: 7.28
